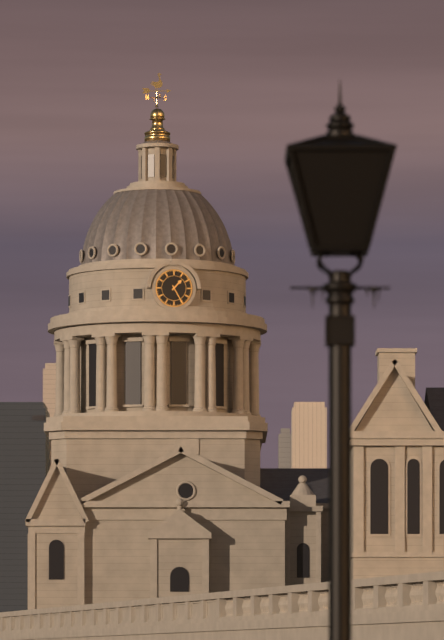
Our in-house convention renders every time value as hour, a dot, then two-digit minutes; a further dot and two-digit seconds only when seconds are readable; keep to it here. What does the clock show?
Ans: 1.25
